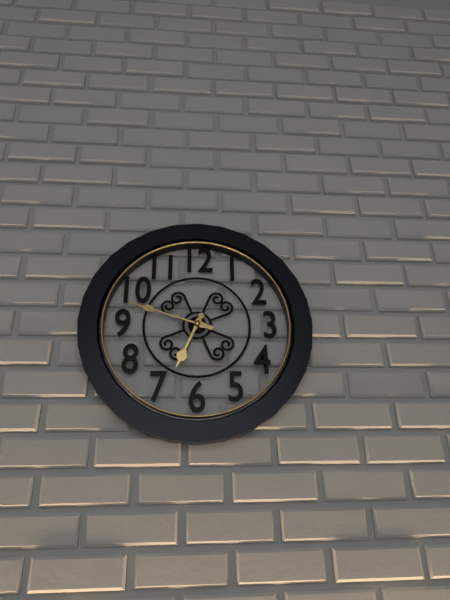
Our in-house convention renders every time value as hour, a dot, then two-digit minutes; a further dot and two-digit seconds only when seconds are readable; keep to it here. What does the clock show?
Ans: 6.48
